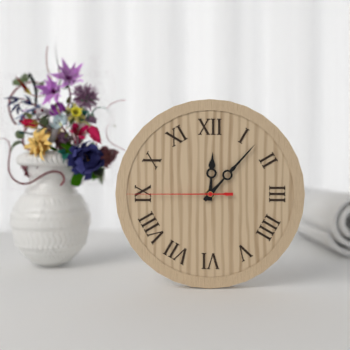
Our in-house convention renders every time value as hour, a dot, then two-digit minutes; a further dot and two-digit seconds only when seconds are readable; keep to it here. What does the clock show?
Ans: 12.07.45
